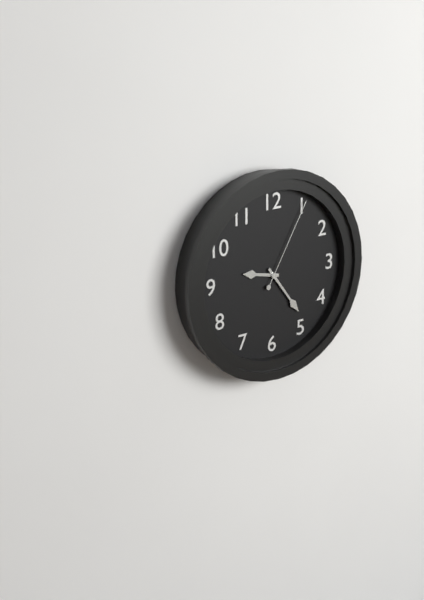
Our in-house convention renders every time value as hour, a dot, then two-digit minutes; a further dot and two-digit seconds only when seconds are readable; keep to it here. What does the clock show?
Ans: 9.24.05
